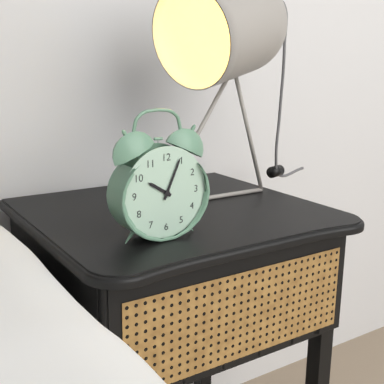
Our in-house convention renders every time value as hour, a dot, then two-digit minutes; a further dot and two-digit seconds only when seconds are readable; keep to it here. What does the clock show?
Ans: 10.04
